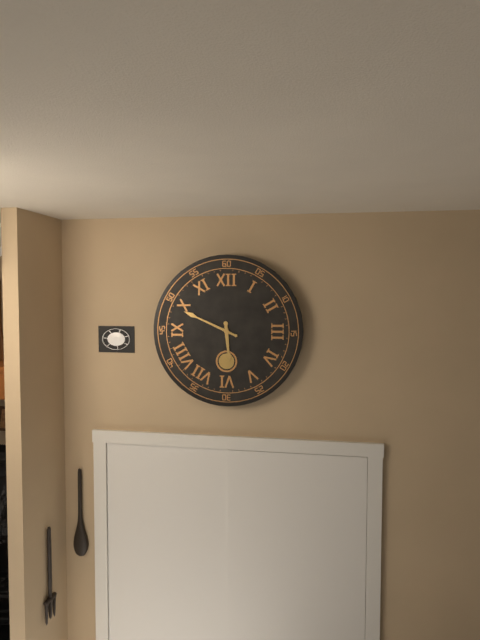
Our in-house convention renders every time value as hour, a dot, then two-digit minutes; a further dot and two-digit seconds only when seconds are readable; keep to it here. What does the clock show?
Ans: 5.49
